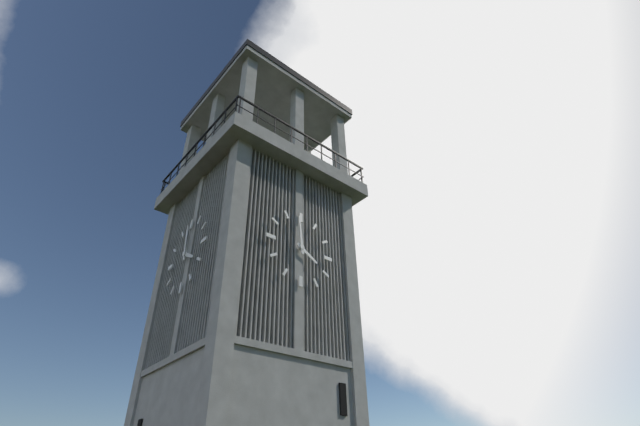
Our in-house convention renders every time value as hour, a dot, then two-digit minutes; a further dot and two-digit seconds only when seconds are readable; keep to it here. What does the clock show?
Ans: 3.59
